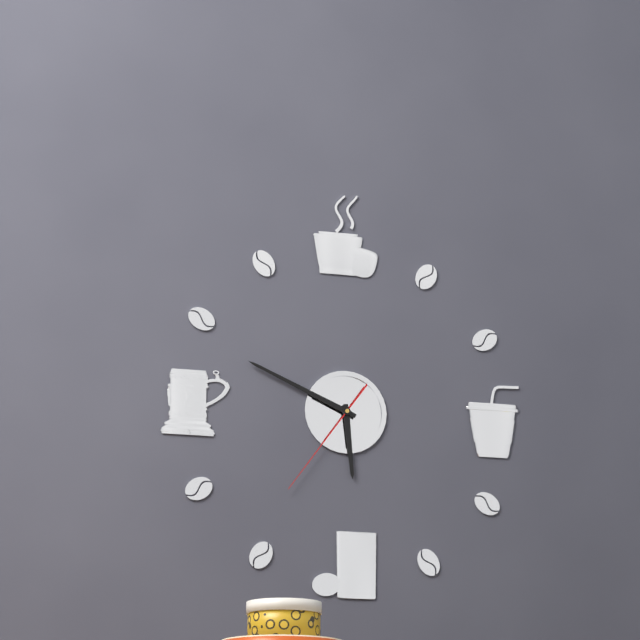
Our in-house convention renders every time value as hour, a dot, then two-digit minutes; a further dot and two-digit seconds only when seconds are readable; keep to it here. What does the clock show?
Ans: 5.49.36
